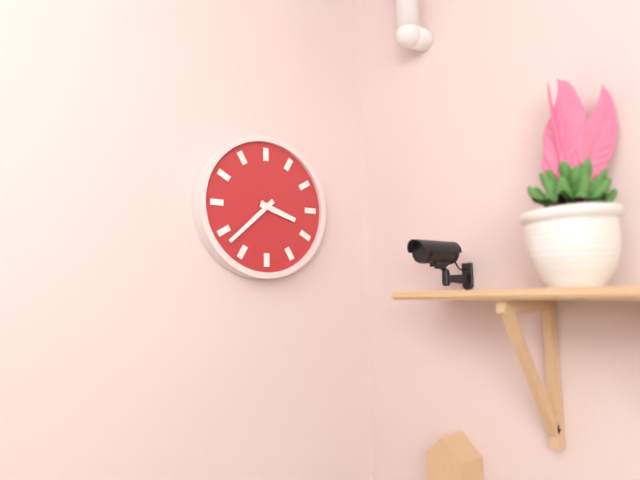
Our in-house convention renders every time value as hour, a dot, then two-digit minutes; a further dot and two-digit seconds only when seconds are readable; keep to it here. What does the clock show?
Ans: 3.38
